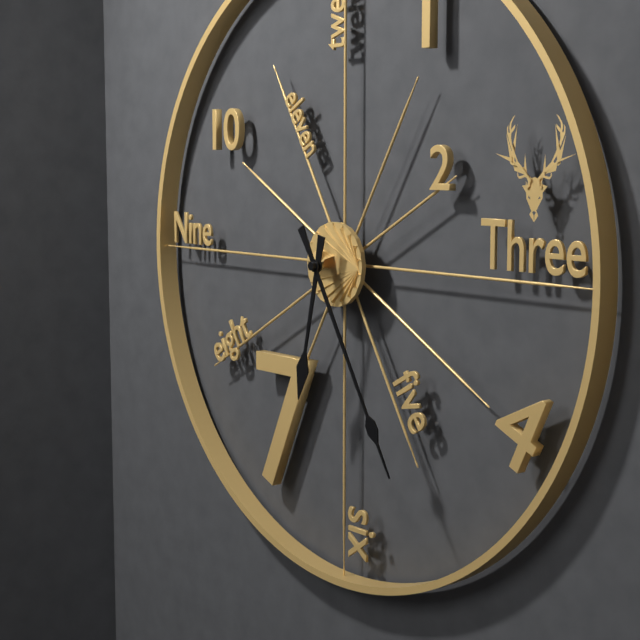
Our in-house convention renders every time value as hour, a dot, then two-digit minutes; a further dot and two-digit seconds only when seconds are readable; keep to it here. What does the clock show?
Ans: 6.25
